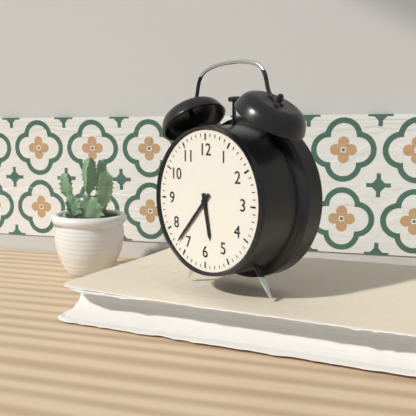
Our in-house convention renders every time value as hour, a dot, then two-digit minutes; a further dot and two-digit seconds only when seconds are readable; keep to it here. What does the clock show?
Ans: 5.37
